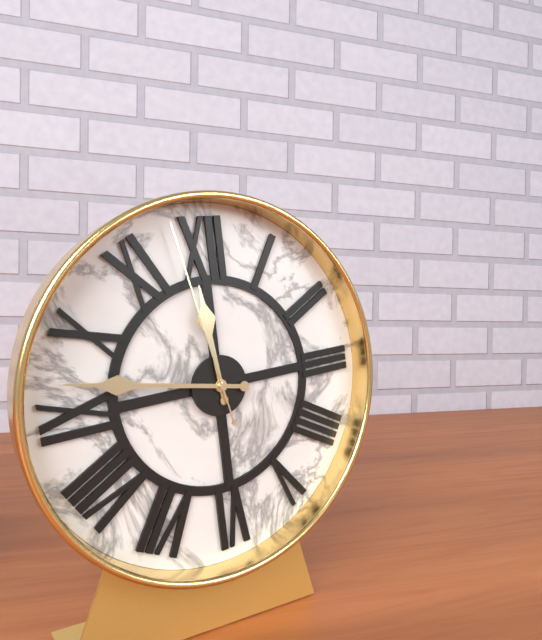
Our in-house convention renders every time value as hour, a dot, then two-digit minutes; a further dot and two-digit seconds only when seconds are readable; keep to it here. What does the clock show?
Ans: 11.47.58
